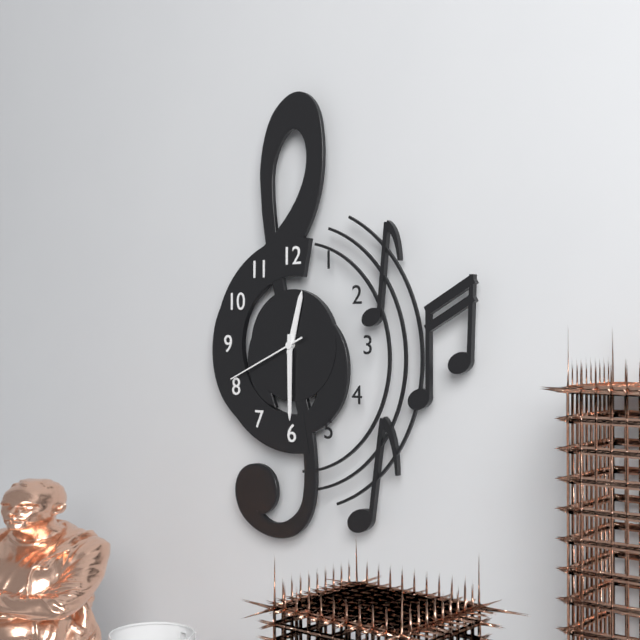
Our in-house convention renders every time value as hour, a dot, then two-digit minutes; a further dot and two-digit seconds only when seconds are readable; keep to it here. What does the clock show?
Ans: 12.30.41
